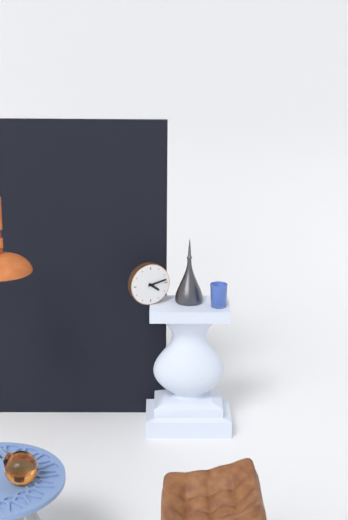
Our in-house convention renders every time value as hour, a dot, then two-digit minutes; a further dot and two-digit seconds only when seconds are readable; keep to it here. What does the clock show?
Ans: 4.13
